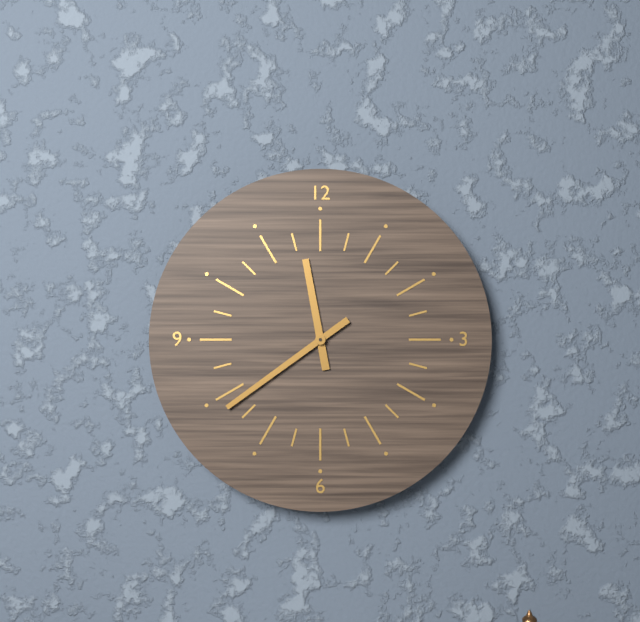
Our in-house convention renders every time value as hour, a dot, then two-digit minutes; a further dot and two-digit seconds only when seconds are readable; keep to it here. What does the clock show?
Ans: 11.39
